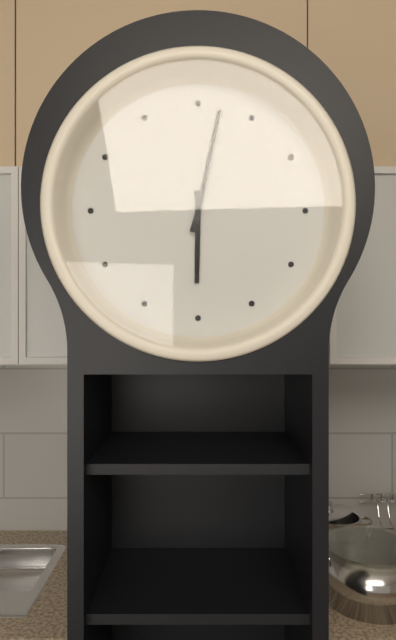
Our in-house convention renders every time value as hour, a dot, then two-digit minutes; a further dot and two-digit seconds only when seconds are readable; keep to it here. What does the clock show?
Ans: 6.02
